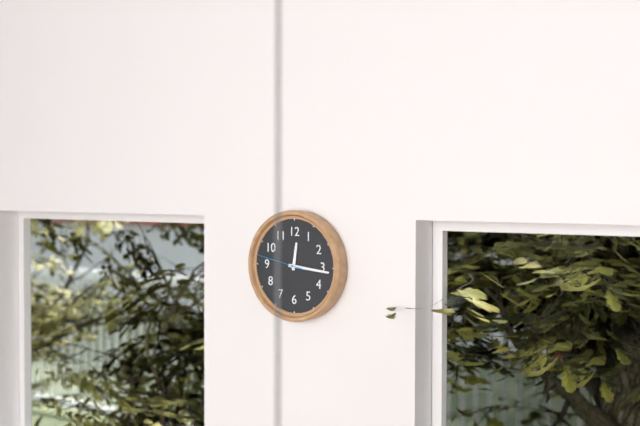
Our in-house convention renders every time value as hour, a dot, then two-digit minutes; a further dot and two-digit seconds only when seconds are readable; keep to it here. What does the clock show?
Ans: 12.16
